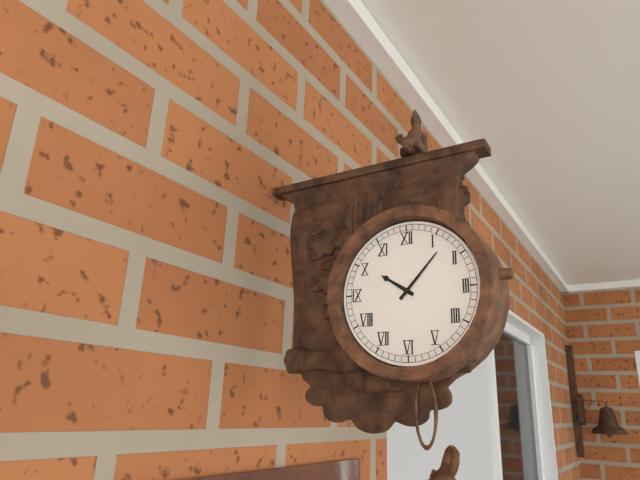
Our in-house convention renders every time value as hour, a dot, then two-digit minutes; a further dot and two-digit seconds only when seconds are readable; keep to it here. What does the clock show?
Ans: 10.07
